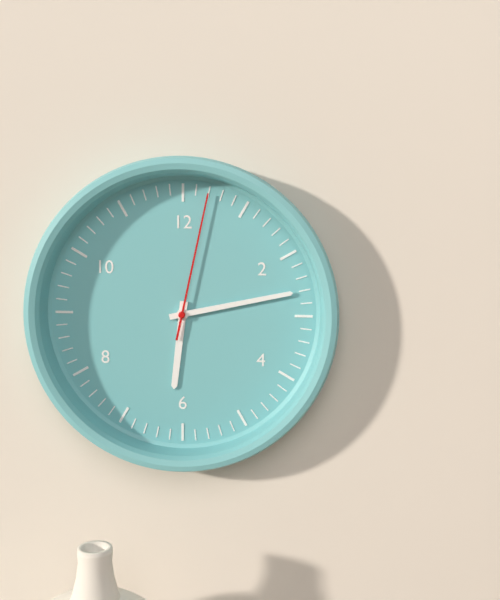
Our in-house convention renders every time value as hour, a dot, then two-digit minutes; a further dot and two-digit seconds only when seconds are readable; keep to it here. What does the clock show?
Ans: 6.13.02
